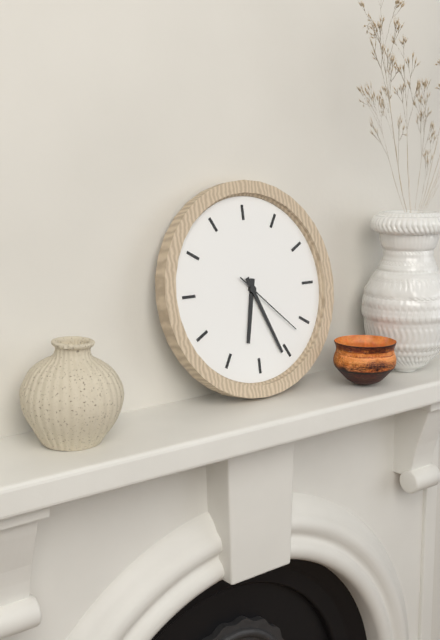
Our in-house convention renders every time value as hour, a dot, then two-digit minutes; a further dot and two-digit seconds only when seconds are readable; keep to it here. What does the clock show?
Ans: 6.26.22
